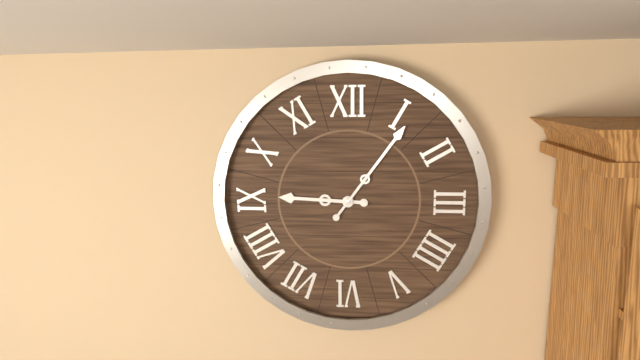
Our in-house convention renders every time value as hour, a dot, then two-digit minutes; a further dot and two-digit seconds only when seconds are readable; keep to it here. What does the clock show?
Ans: 9.06
